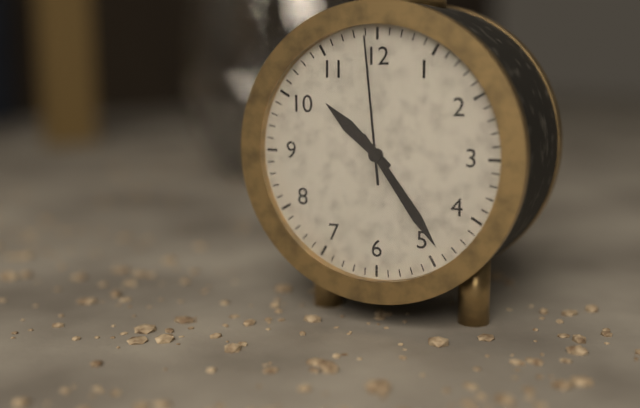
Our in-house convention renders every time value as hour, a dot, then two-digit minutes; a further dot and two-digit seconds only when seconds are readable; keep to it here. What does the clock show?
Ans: 10.24.59
